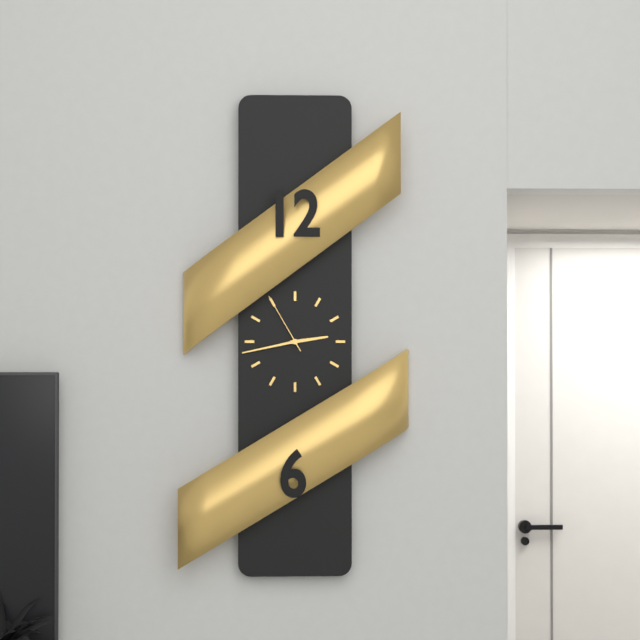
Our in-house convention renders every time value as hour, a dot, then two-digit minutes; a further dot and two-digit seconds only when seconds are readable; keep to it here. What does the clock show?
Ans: 2.43.55
